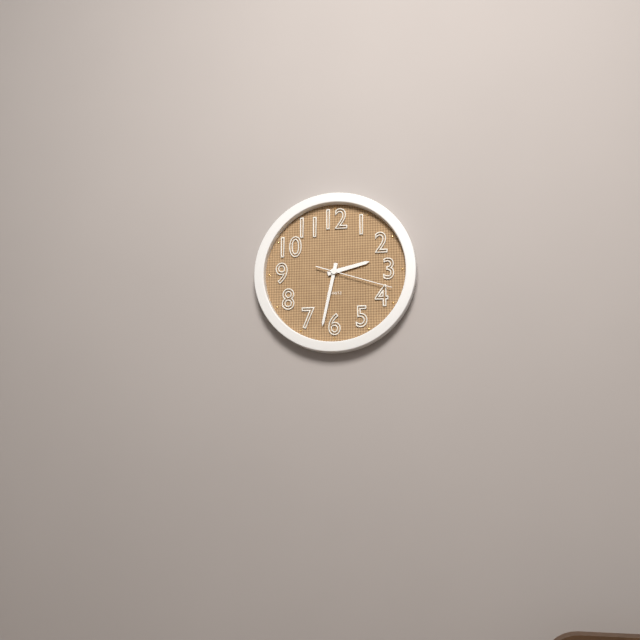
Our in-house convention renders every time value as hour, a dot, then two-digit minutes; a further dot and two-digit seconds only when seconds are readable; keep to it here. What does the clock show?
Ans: 2.32.18
